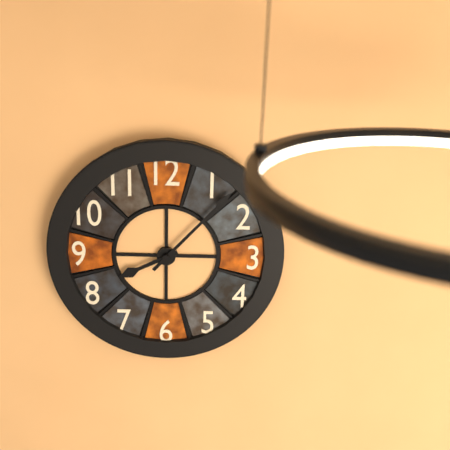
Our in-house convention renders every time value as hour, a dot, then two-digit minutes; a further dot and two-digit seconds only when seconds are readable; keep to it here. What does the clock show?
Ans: 8.07
